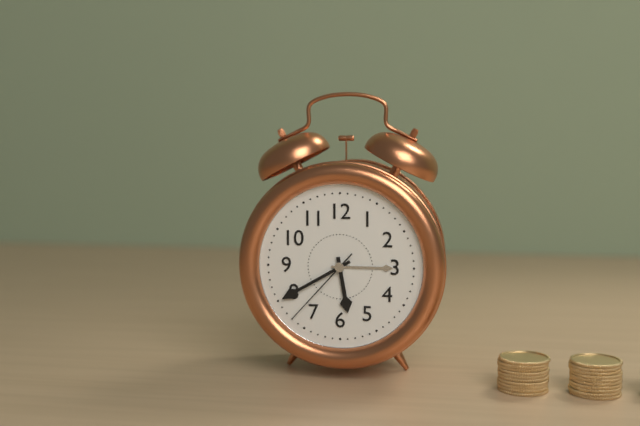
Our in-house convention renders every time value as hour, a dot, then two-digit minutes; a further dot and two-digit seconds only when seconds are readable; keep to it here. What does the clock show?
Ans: 5.40.37
